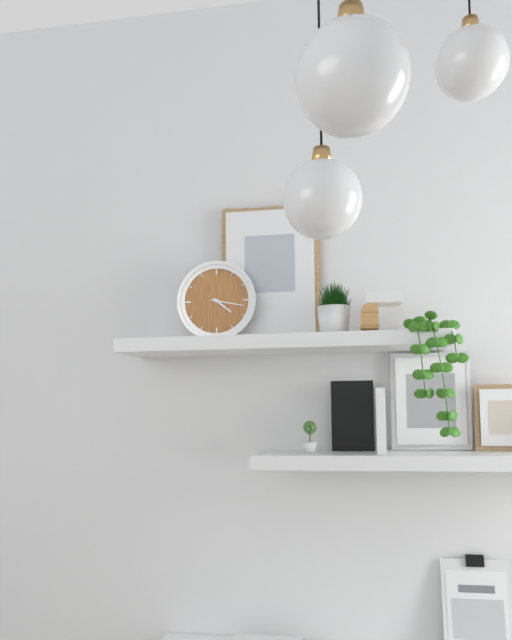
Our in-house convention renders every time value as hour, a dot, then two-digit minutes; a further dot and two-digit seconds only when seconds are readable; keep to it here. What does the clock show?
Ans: 4.17
